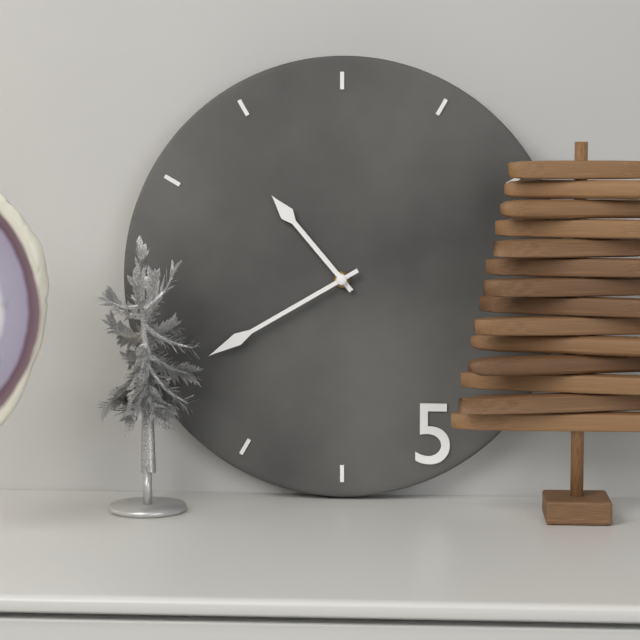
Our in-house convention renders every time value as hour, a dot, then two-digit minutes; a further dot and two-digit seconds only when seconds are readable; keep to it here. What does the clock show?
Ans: 10.40
